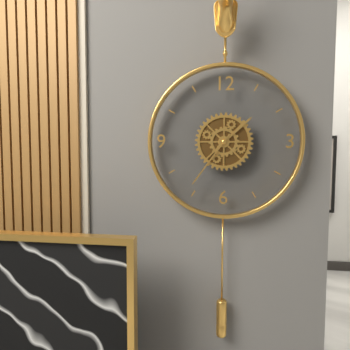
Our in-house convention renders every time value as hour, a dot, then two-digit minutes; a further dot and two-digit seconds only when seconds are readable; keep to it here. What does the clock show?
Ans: 1.36
